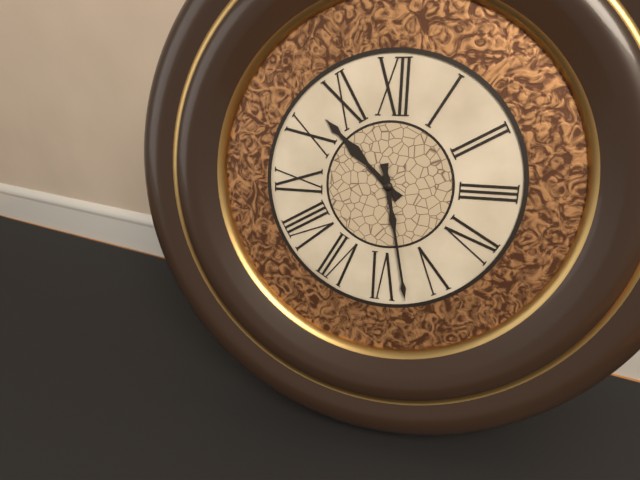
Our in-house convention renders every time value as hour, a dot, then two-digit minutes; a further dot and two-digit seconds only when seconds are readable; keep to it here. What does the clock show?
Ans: 10.28
